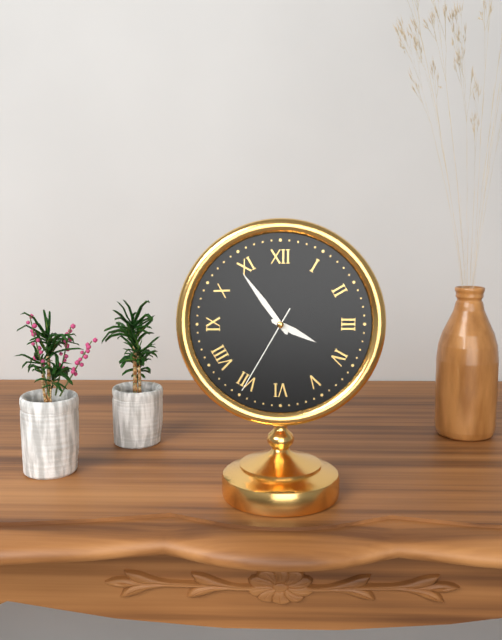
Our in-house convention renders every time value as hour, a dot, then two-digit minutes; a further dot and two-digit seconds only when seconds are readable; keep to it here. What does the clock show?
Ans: 3.54.35
